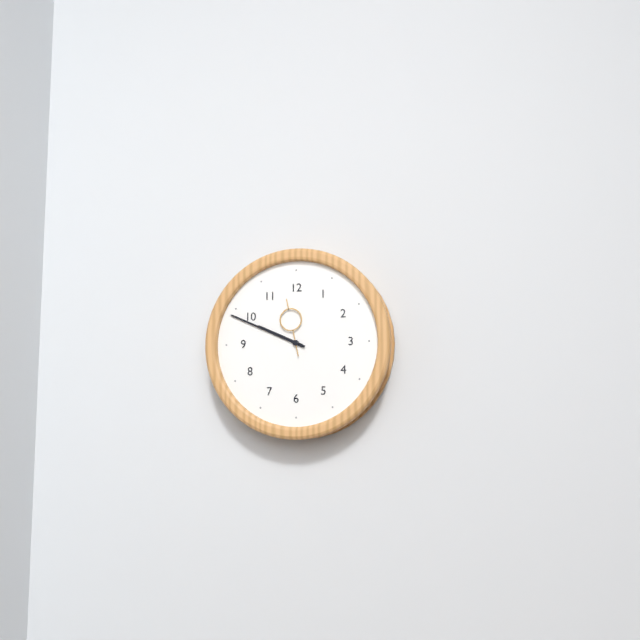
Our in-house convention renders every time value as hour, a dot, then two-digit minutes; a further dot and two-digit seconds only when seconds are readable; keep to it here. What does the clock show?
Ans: 9.49.58
